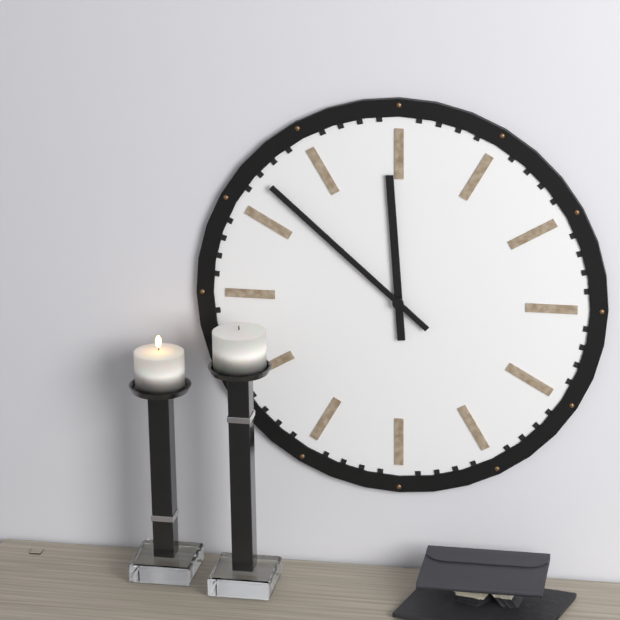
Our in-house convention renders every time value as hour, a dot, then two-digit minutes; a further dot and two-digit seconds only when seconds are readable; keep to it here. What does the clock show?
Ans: 11.52
